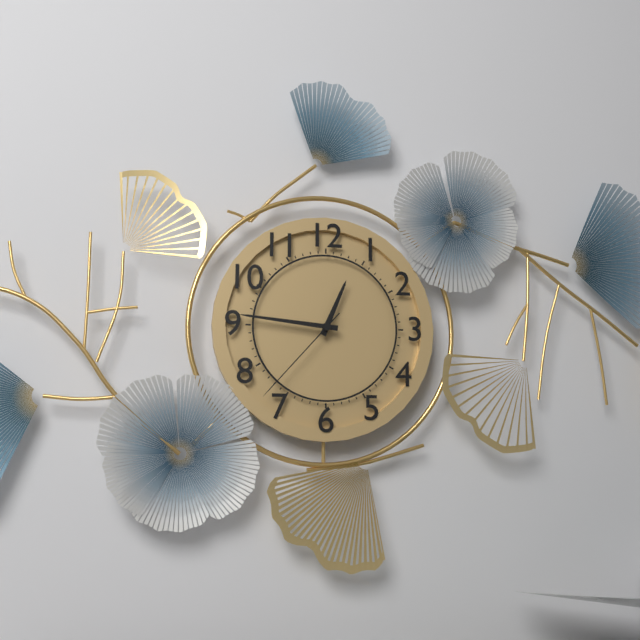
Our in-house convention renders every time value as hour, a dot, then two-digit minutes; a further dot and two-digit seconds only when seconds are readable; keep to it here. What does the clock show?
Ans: 12.46.37
